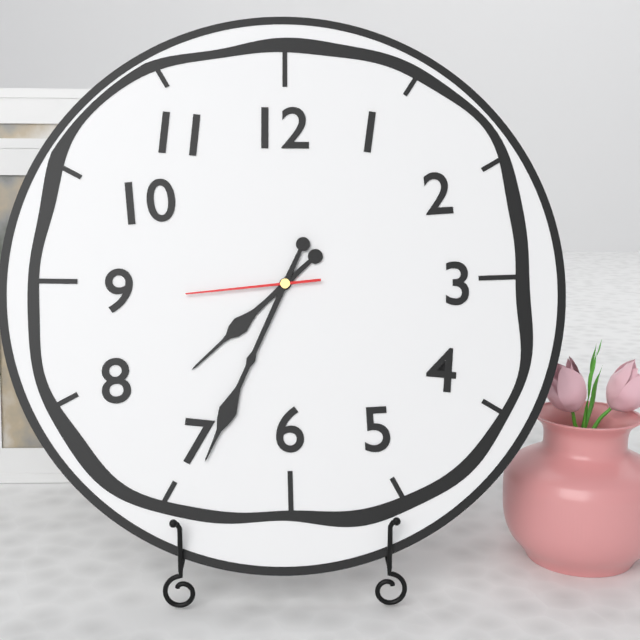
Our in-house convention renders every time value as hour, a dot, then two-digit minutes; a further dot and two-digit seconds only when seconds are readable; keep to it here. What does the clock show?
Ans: 7.34.44
